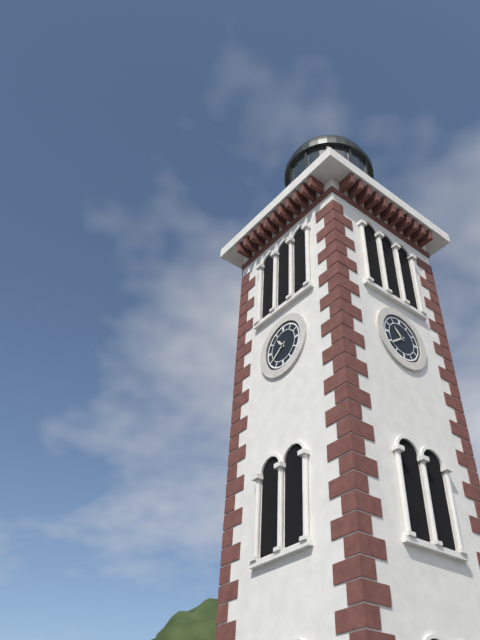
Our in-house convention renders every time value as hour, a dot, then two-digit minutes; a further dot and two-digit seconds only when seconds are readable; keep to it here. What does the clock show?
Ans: 10.39
